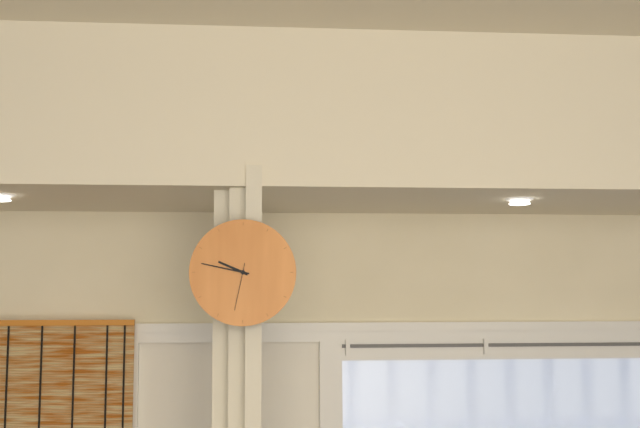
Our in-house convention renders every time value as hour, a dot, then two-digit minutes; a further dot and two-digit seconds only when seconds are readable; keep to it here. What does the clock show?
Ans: 9.47
